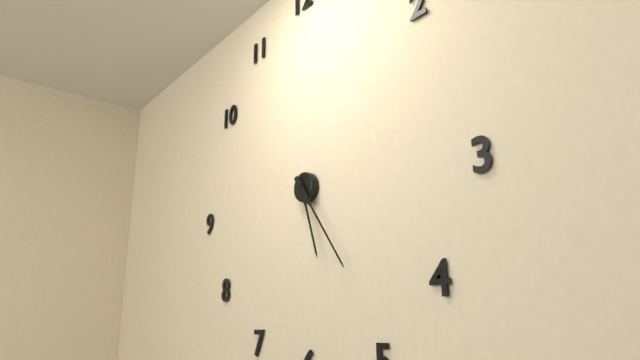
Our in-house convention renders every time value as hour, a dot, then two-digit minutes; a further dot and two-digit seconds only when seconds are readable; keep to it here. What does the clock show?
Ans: 5.24
